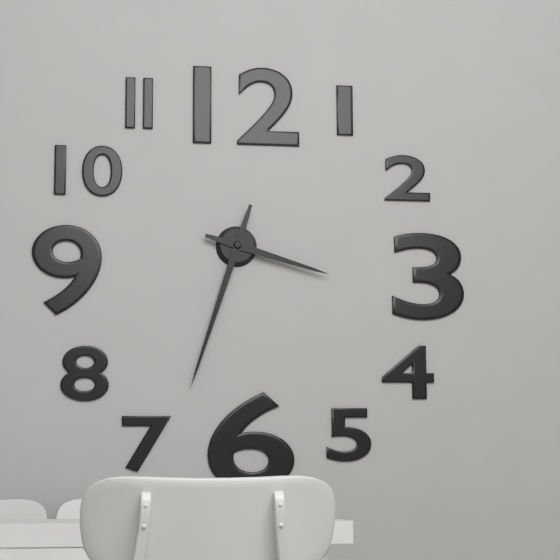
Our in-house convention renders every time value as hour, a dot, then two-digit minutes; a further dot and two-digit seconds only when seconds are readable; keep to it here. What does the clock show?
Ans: 3.33
